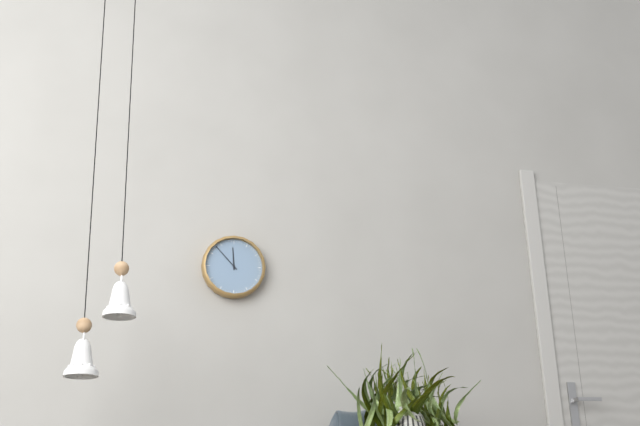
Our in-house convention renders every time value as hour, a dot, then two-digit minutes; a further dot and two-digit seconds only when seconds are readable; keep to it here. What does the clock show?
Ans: 11.53
